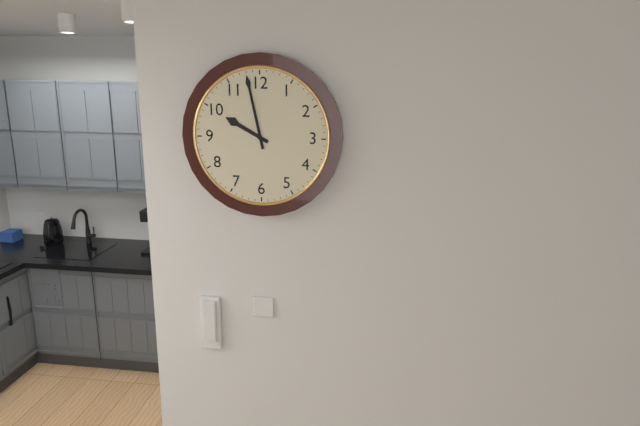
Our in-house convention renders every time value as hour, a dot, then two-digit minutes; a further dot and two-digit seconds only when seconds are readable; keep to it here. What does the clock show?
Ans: 9.58
